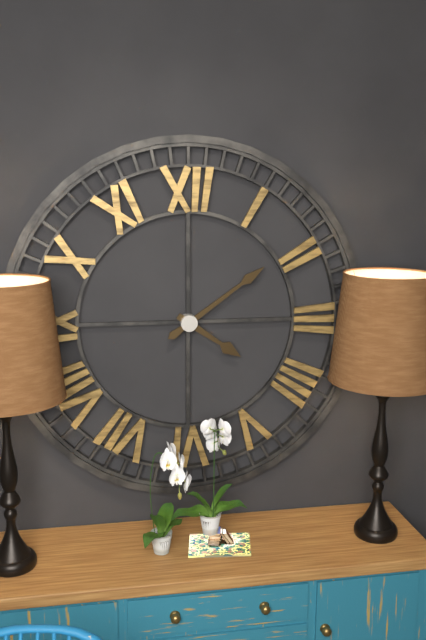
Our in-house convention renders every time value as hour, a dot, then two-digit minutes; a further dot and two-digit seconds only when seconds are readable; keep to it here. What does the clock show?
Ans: 4.09
